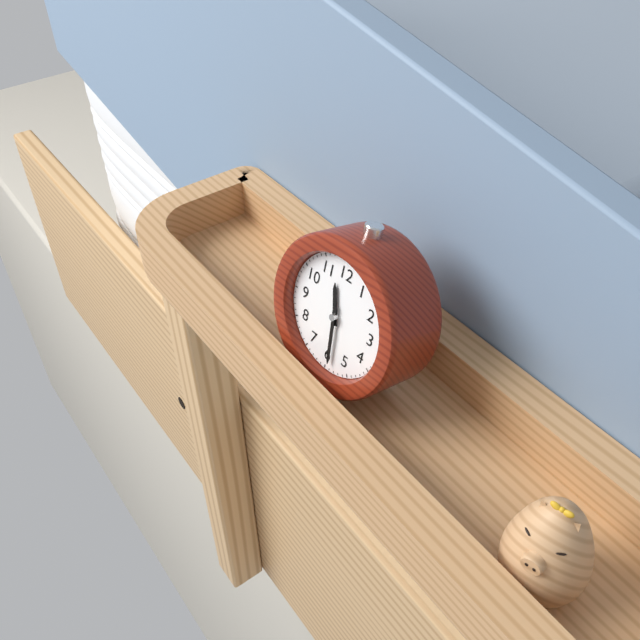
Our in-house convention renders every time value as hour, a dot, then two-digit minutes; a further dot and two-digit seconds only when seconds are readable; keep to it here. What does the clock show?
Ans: 11.29
